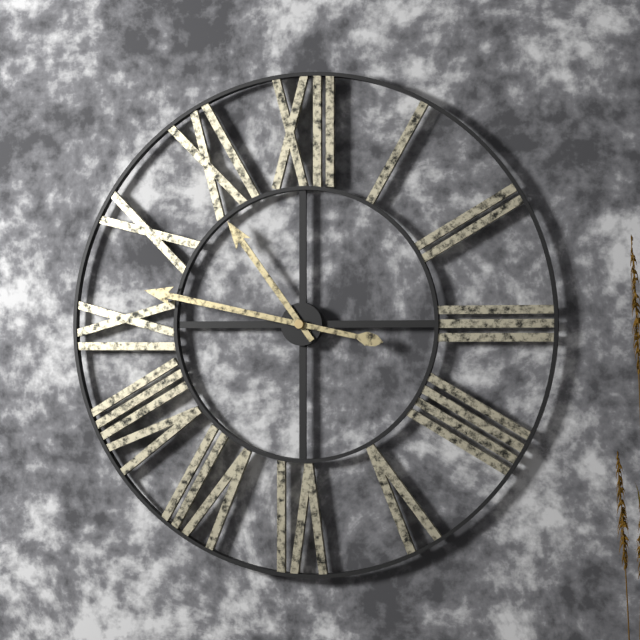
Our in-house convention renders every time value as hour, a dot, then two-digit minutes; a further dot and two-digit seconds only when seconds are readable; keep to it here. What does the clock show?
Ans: 10.47
